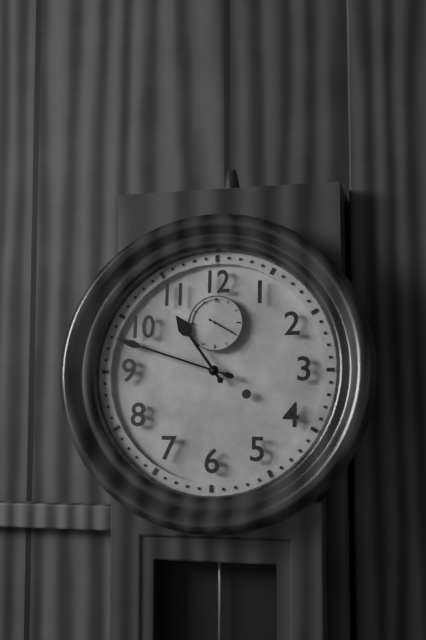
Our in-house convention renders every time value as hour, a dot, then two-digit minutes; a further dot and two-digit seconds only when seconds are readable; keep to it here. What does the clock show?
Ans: 10.48
